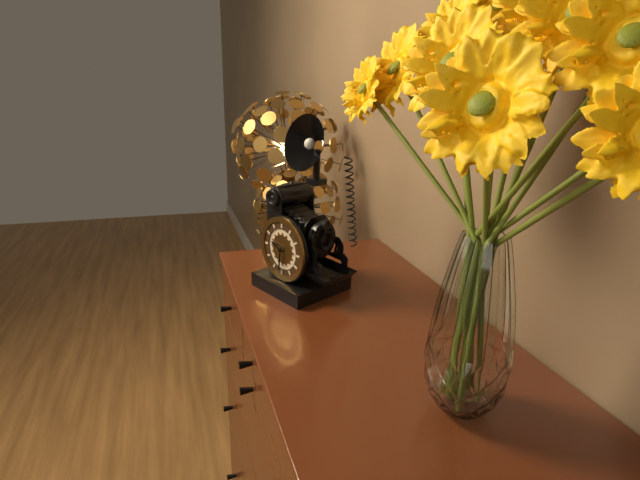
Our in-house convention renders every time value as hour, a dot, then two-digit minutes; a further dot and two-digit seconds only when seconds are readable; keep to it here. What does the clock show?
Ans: 9.31
